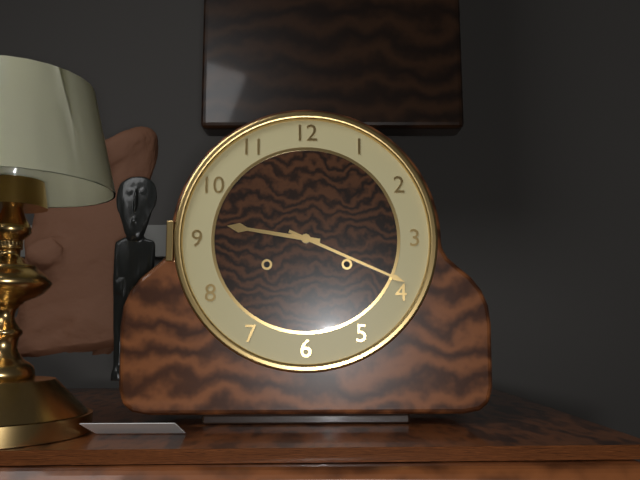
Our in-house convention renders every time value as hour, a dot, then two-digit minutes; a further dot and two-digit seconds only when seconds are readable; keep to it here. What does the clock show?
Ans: 9.19
